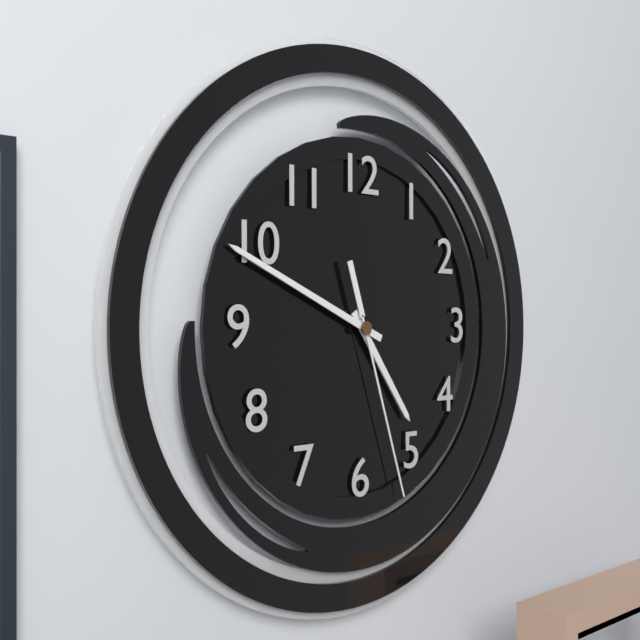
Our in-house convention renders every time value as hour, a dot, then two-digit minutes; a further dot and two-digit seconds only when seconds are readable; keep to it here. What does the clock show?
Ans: 4.49.27
